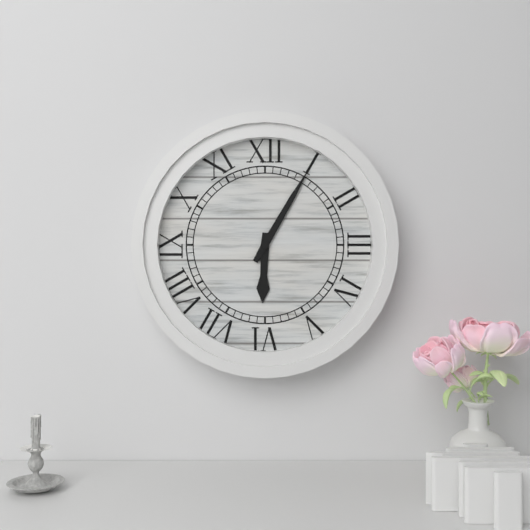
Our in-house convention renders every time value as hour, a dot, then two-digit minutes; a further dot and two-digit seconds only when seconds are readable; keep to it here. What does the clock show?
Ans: 6.05
